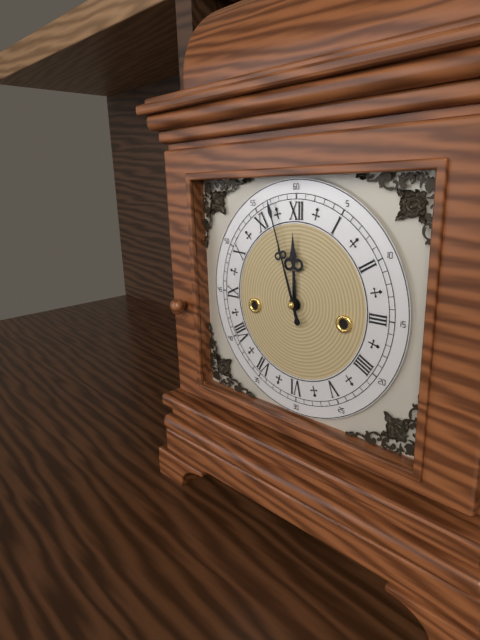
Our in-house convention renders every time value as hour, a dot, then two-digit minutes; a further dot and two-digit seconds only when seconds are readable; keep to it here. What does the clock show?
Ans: 11.57
